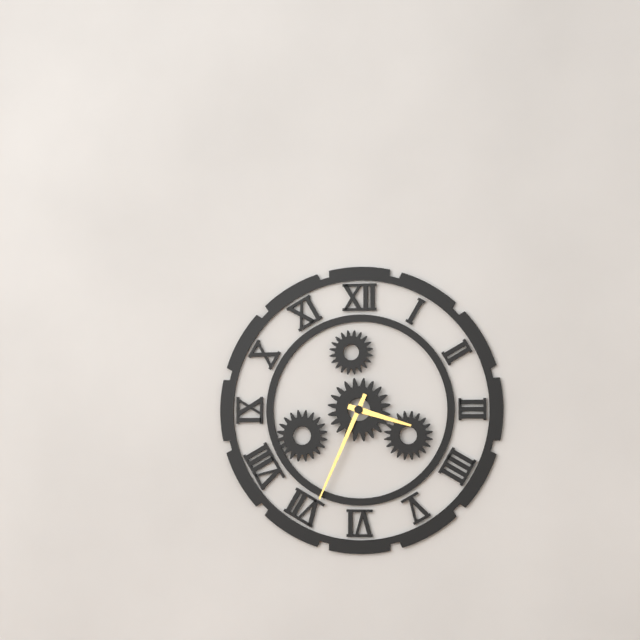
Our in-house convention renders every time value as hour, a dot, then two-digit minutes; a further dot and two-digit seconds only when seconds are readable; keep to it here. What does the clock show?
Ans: 3.34
